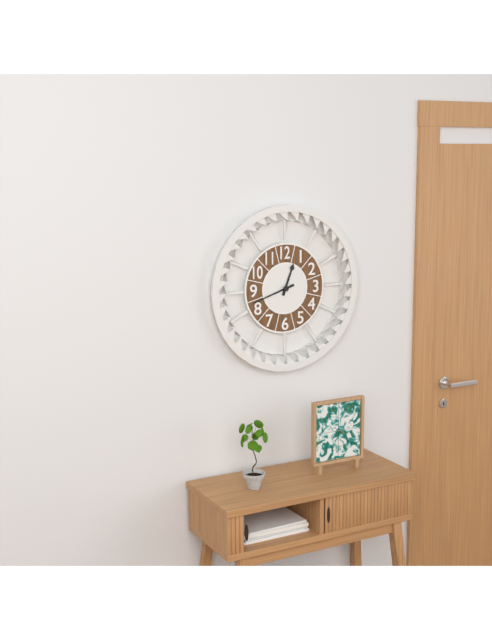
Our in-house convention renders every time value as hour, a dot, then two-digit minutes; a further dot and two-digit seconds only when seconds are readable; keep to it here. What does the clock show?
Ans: 12.42
